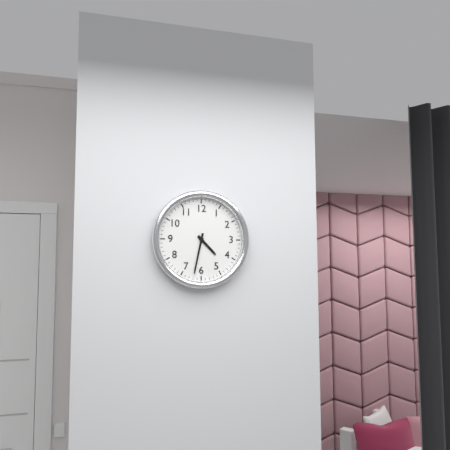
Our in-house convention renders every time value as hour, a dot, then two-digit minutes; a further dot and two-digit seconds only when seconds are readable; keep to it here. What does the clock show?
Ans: 4.32
